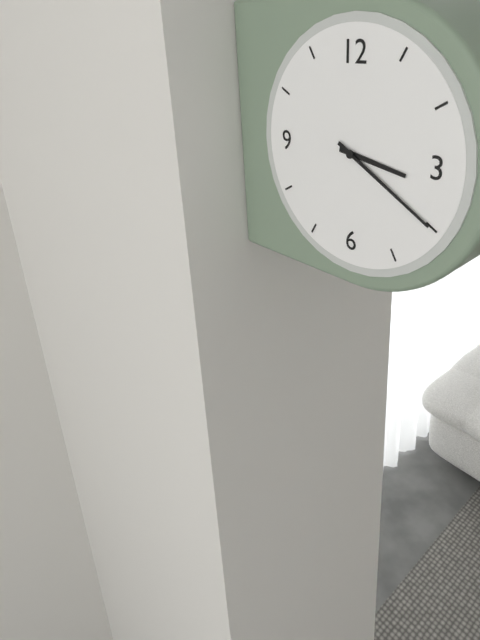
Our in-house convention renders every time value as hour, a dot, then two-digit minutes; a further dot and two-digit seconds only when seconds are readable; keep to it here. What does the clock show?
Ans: 3.20
